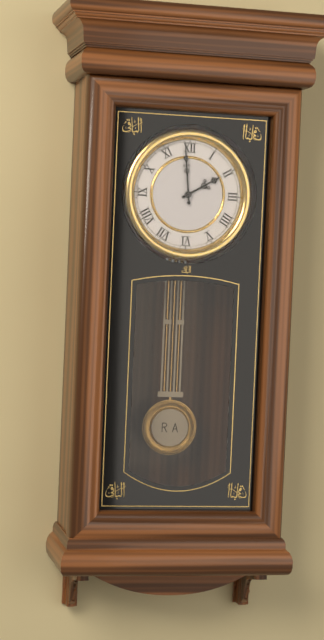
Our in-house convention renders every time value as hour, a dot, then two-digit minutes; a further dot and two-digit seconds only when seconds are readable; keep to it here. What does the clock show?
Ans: 1.59
